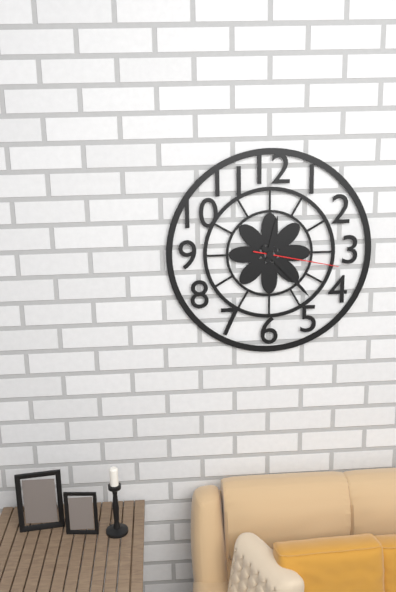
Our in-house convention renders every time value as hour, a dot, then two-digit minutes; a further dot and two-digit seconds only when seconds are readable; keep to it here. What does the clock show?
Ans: 12.23.17
